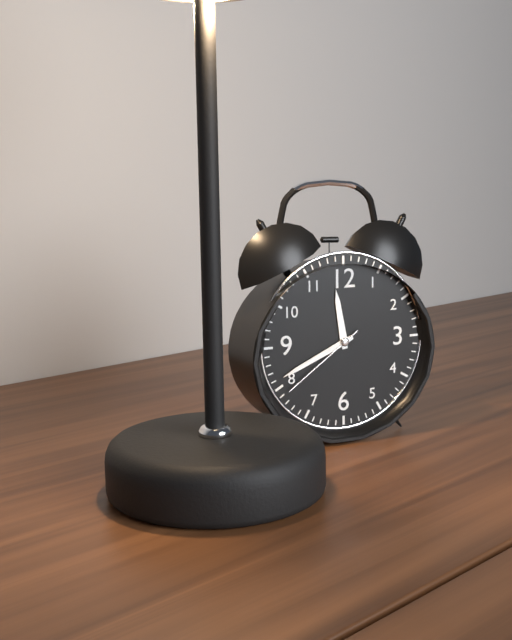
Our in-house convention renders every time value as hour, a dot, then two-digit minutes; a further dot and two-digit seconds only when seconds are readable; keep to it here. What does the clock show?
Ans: 11.41.39
